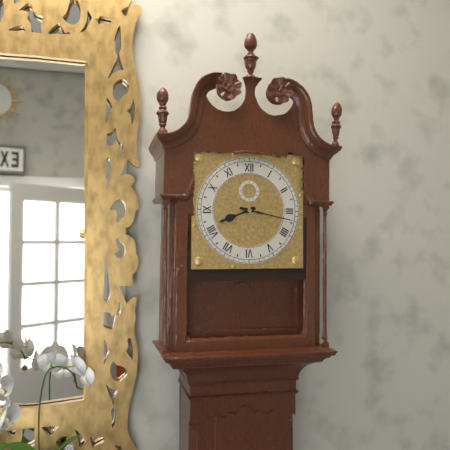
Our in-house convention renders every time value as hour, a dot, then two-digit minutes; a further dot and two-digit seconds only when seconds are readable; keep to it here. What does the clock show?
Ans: 8.17
